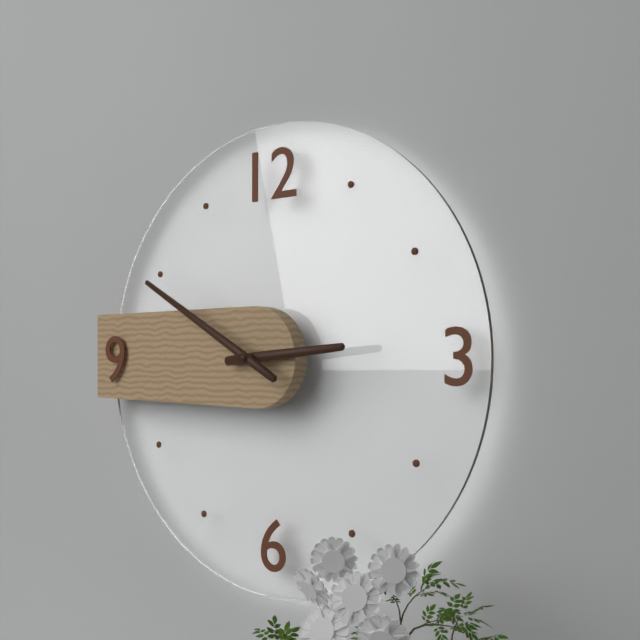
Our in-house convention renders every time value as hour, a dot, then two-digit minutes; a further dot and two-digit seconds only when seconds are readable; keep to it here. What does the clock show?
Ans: 2.50
